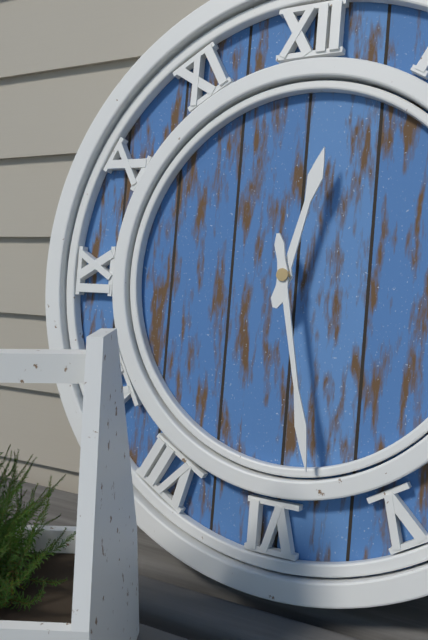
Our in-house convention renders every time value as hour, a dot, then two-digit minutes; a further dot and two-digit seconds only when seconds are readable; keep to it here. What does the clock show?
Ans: 12.28
